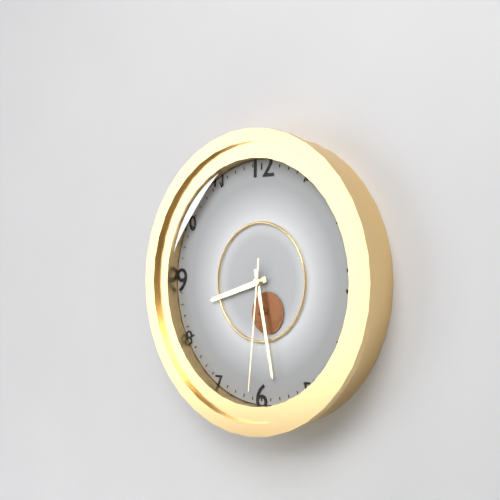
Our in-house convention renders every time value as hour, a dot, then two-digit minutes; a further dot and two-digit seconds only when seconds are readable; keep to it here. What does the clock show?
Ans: 8.28.31
